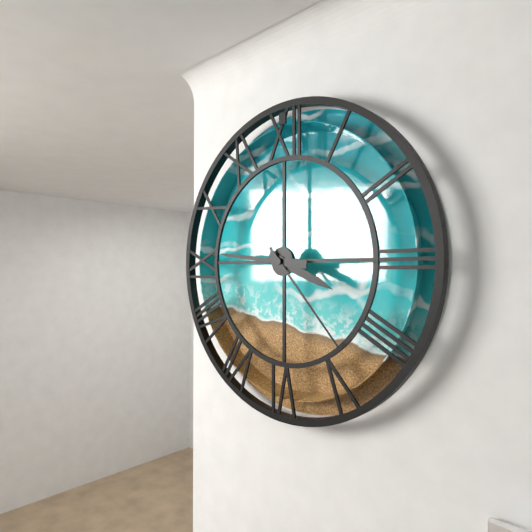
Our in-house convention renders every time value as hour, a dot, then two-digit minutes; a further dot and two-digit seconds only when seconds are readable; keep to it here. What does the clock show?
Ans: 3.46.23
